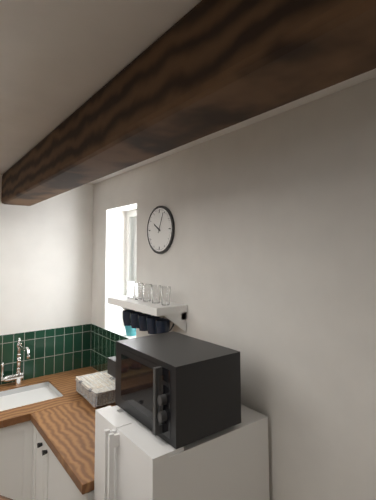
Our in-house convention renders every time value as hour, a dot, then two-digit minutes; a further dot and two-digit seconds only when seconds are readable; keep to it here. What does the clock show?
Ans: 10.04
